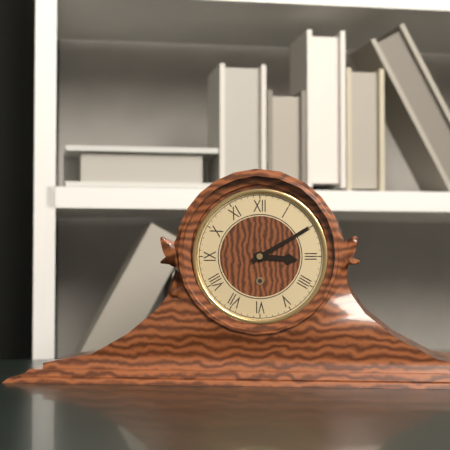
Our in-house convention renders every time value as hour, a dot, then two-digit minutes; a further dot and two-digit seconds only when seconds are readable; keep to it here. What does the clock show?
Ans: 3.10
